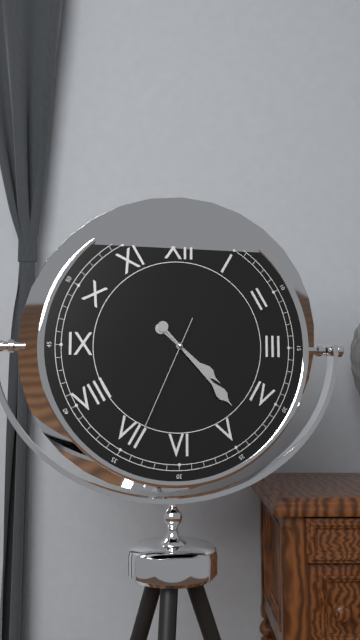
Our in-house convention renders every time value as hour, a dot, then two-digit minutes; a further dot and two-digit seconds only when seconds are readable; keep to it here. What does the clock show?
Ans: 4.23.34
